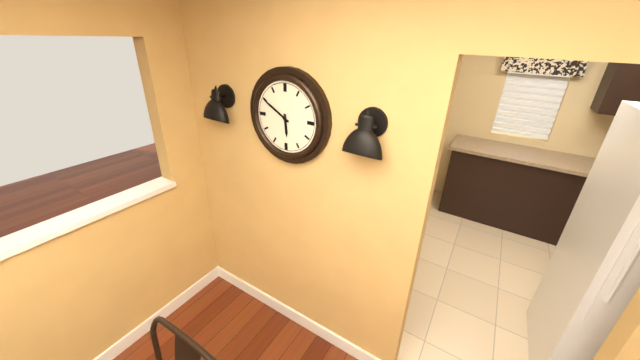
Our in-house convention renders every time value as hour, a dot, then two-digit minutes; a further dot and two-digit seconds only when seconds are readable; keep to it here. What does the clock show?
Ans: 5.50
